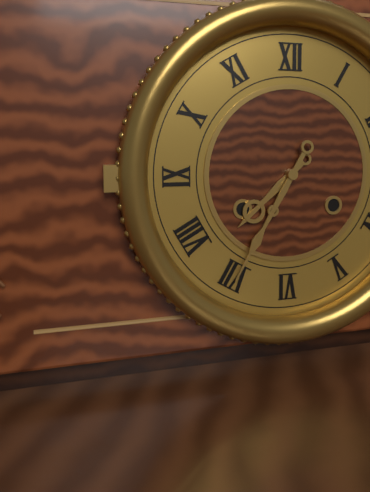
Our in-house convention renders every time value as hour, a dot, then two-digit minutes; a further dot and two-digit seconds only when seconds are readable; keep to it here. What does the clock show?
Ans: 7.35
